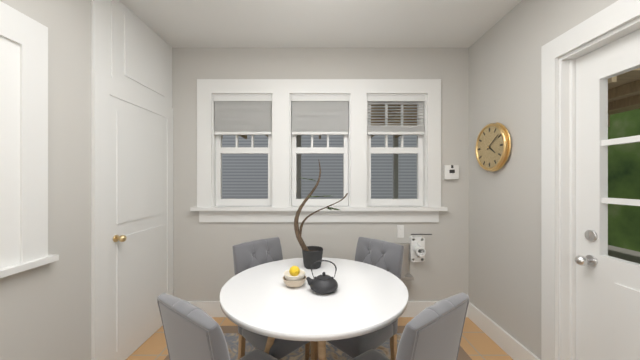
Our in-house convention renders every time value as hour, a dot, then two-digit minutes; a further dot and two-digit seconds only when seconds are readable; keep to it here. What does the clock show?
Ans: 4.09
